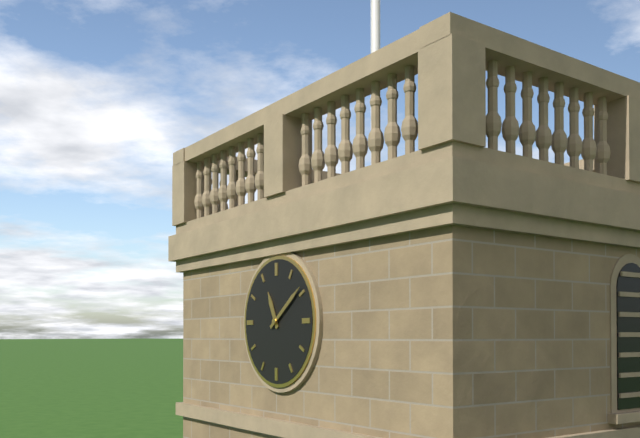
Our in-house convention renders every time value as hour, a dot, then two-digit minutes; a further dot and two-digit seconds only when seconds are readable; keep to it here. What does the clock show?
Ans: 11.09
